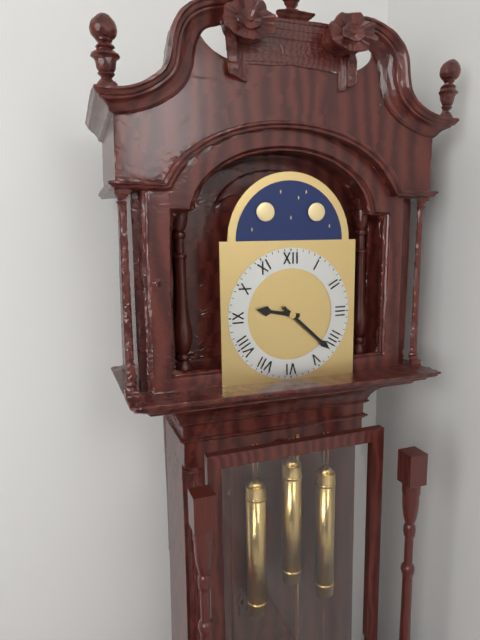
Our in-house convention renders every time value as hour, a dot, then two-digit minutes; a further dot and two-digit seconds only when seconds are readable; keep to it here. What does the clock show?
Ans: 9.22
